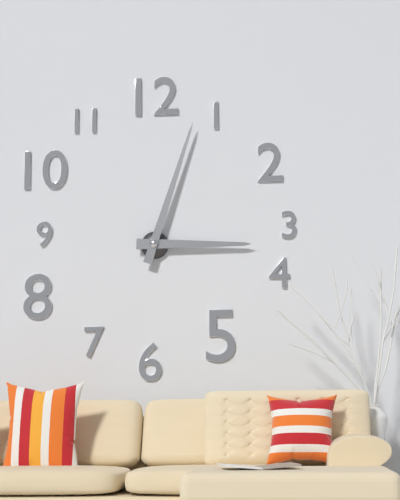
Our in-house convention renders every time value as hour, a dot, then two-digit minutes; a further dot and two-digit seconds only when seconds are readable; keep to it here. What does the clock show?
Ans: 3.03
